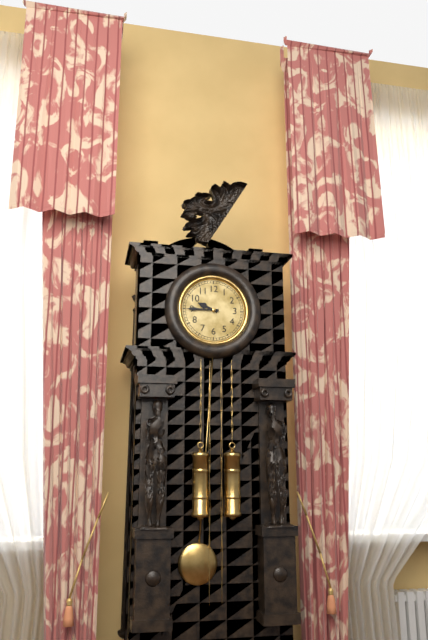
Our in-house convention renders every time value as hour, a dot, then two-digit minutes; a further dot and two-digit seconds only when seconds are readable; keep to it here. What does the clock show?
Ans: 9.45
